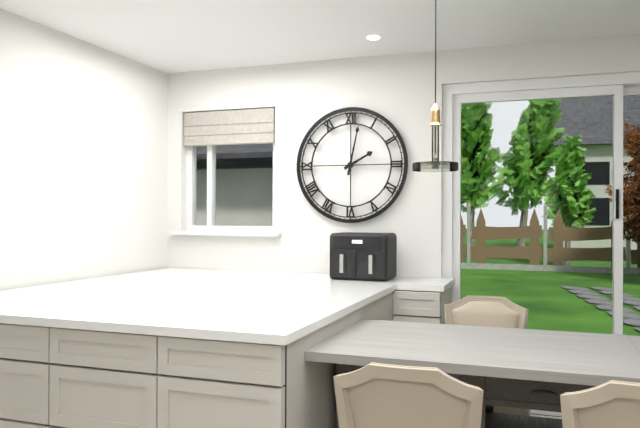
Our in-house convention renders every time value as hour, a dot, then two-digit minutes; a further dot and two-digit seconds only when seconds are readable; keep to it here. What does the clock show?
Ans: 2.02
